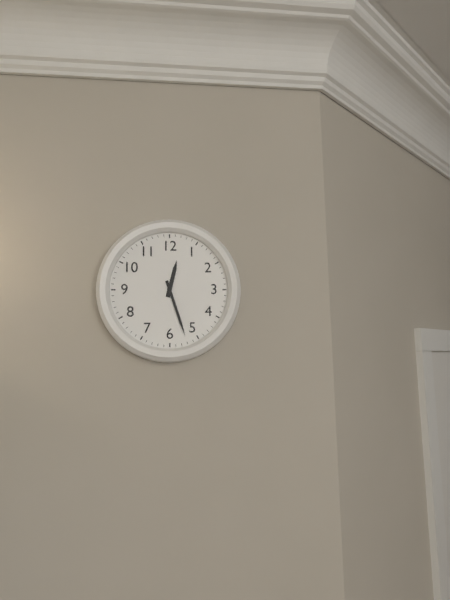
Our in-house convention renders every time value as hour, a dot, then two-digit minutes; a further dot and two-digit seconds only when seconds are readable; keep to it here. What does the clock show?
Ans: 12.27
